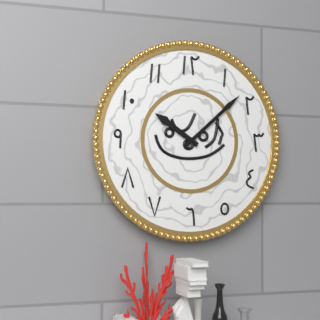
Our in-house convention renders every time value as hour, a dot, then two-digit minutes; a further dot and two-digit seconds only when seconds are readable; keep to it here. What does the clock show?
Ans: 10.08
